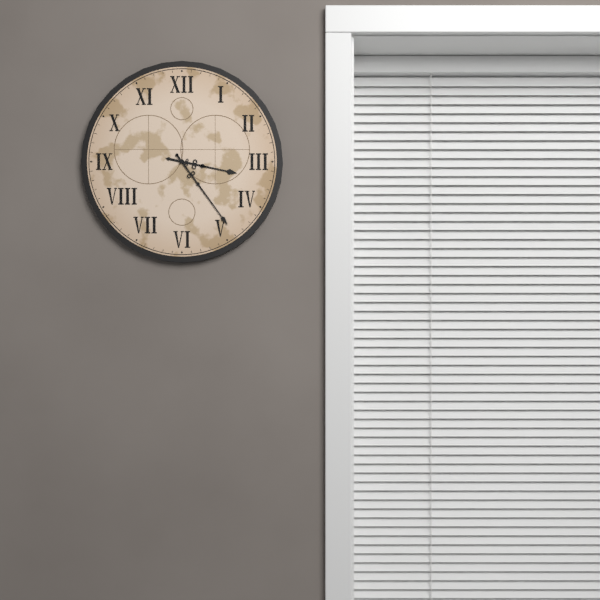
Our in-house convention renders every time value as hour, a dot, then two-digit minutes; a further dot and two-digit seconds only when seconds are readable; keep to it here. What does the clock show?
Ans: 3.24
